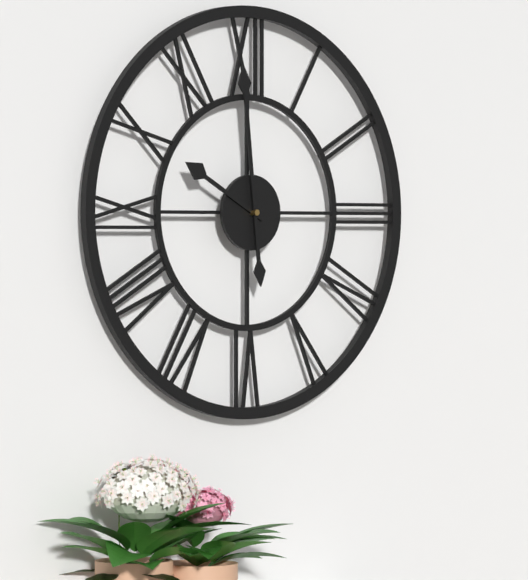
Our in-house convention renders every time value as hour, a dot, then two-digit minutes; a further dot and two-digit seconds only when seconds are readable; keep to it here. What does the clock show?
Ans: 9.59
